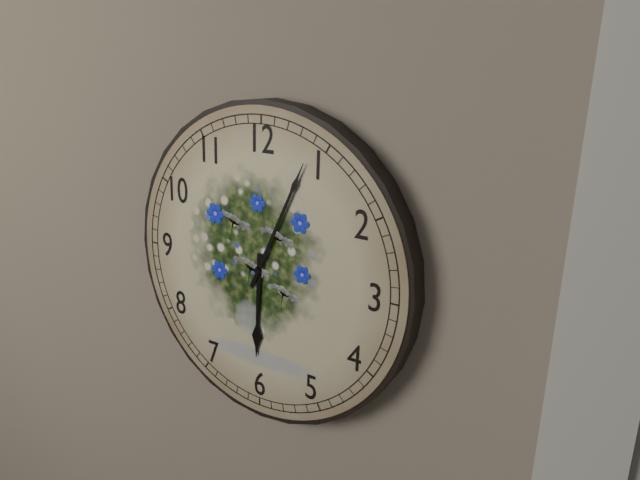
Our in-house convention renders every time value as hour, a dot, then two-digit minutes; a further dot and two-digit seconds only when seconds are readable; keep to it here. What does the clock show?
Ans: 6.04
